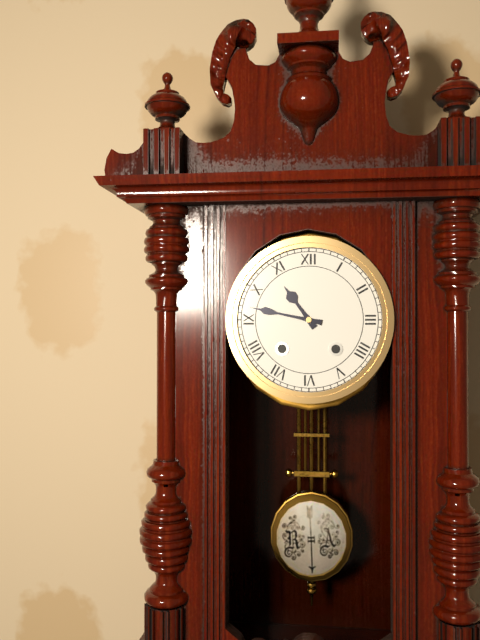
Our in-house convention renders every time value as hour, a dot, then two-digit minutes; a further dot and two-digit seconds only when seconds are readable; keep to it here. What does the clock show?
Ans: 10.47
